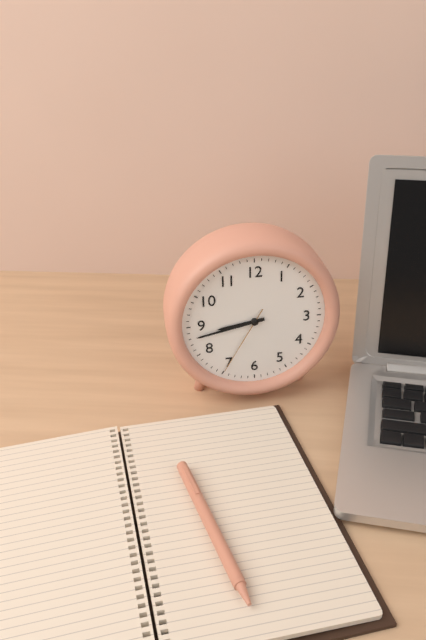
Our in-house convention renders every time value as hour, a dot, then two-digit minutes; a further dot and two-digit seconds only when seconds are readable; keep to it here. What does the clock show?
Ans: 8.43.35
